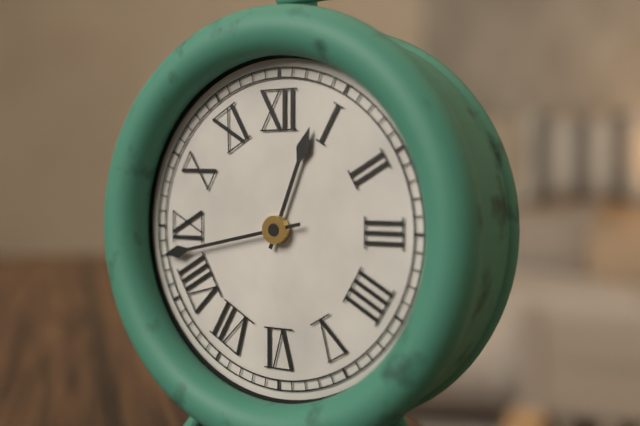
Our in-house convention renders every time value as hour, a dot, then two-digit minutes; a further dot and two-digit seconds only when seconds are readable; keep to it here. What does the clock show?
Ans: 12.43
